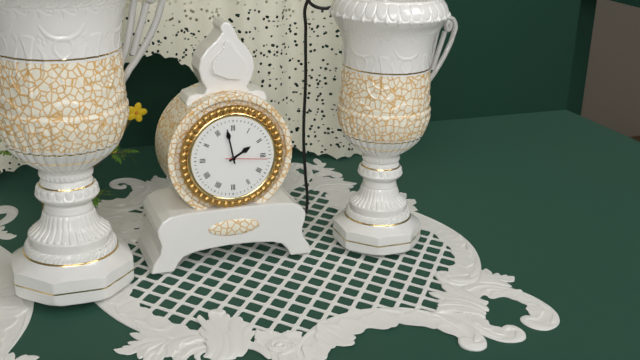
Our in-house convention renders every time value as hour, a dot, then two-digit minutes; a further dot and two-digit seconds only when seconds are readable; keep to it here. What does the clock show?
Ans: 1.58
